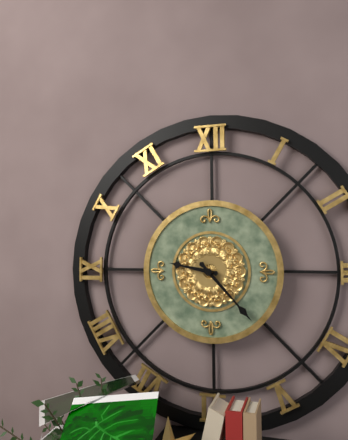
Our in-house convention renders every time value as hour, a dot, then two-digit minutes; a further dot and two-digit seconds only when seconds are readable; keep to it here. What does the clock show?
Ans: 9.23
